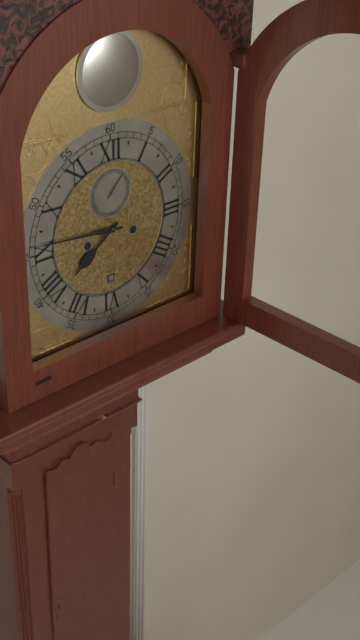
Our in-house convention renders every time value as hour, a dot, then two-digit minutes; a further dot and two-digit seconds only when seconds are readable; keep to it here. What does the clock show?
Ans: 7.46
